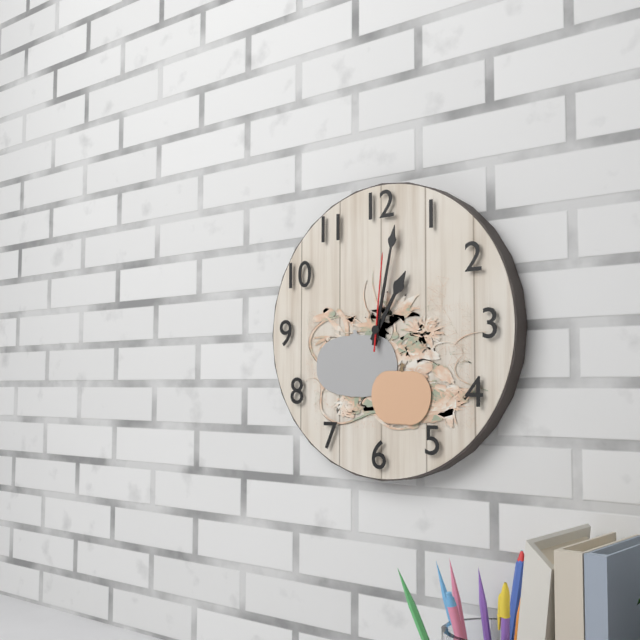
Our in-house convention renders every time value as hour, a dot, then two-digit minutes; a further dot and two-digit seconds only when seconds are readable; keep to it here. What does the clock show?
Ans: 1.02.01
